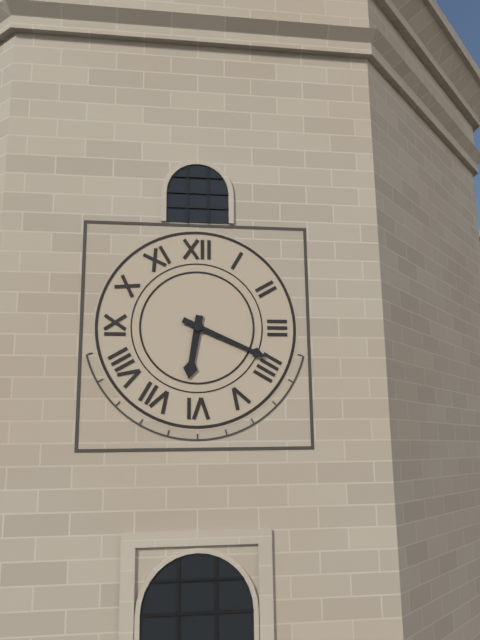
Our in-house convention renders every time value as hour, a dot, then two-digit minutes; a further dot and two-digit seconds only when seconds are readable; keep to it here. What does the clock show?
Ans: 6.19
